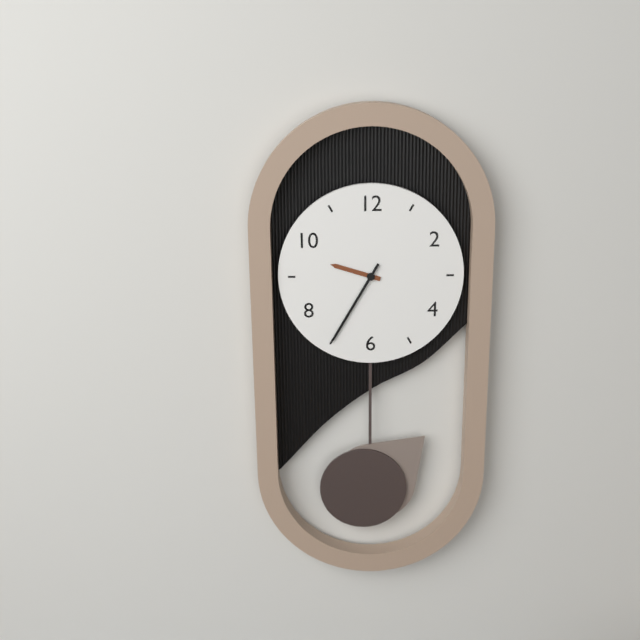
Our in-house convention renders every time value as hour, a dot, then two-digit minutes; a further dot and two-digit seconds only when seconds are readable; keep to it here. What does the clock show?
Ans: 9.35
